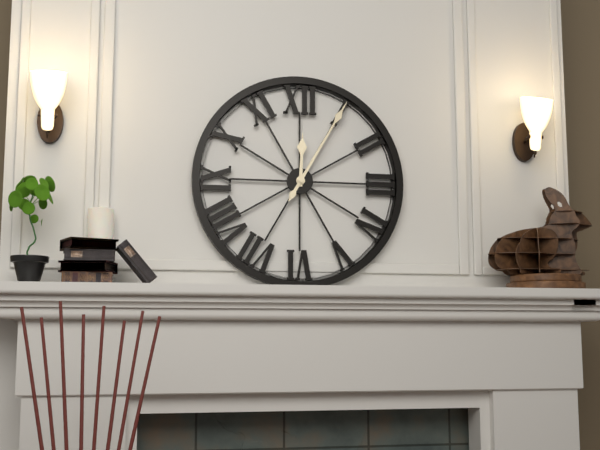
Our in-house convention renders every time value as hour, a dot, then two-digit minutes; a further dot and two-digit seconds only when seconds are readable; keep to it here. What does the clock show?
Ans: 12.05
